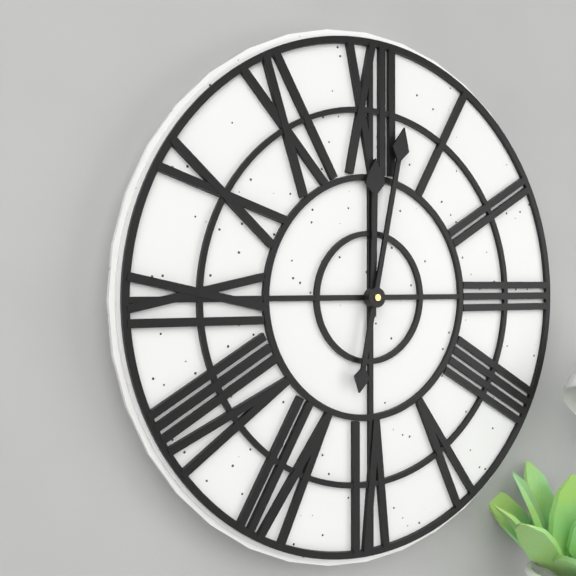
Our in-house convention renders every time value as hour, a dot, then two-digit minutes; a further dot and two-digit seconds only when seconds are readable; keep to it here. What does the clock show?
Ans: 12.02
